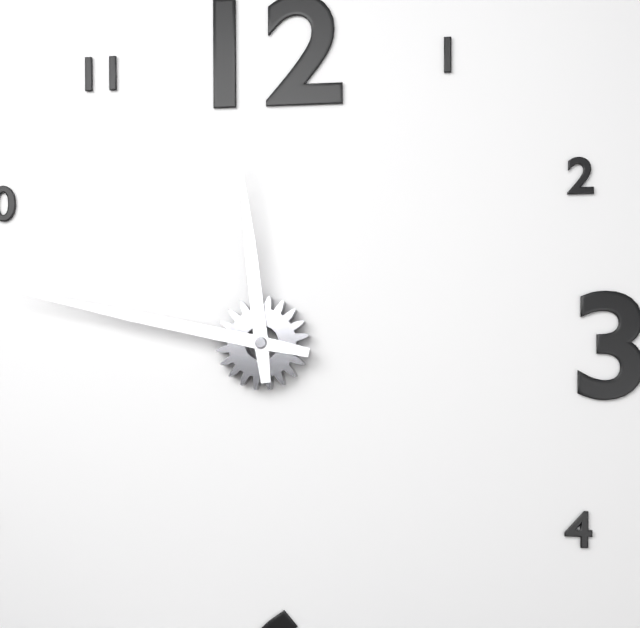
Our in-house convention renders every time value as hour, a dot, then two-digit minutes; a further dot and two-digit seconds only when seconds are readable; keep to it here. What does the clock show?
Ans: 11.47
